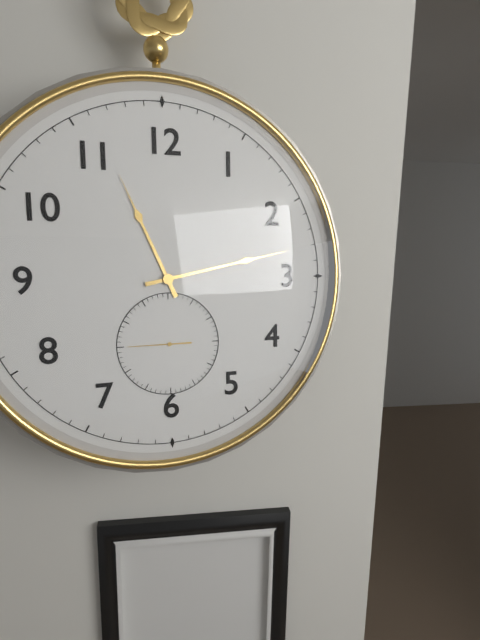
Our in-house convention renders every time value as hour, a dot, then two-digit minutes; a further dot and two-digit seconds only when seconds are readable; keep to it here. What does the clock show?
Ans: 11.13.45
